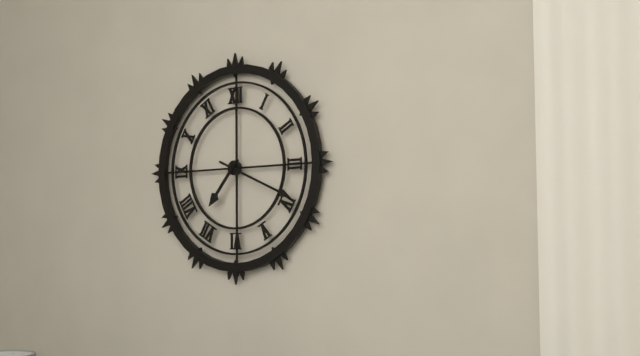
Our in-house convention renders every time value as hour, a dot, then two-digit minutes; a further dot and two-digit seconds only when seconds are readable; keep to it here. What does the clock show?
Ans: 7.19
